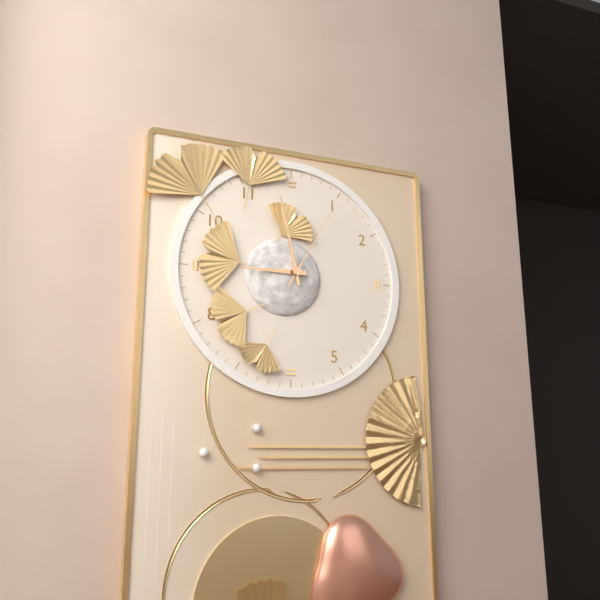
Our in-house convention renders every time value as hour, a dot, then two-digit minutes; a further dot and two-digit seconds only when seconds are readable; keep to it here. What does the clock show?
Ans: 8.58.05
